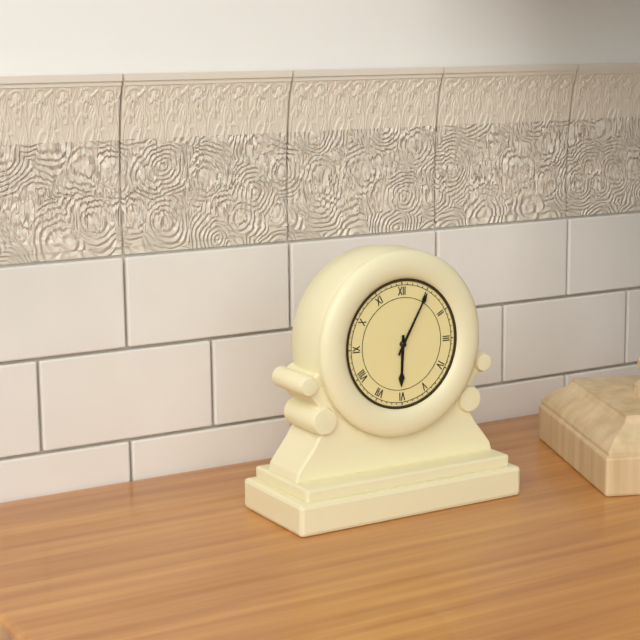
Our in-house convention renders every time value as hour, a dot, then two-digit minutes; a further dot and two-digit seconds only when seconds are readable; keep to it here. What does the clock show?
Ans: 6.05
